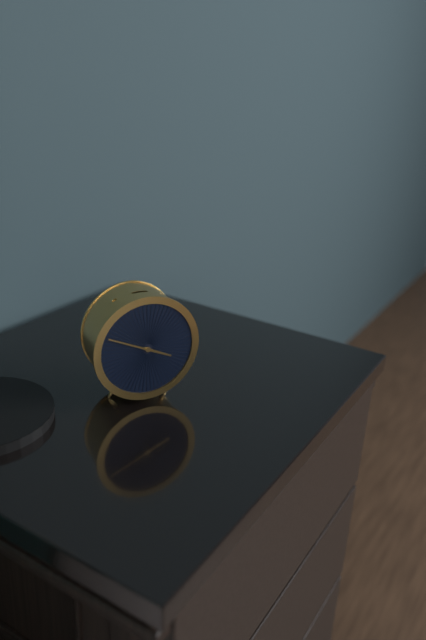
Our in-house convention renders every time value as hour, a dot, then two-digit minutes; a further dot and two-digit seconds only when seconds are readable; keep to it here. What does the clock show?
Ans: 3.49
